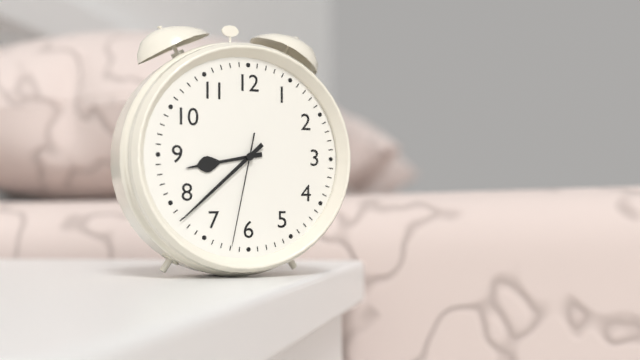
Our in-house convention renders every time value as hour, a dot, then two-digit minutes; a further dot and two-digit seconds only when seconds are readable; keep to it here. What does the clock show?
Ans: 8.38.32
